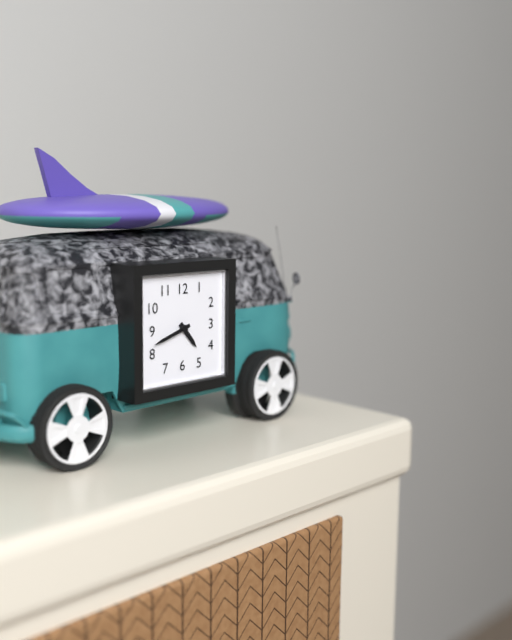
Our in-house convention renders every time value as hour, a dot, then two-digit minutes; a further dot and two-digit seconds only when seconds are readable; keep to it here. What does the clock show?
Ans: 4.42
